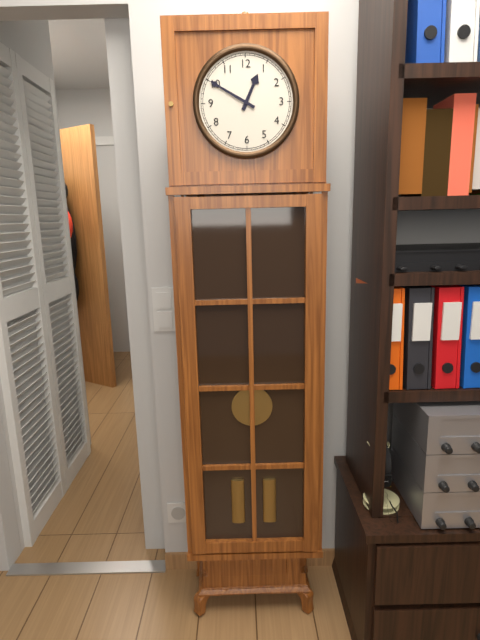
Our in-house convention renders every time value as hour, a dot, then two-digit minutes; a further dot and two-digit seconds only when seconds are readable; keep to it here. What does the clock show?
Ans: 12.50
